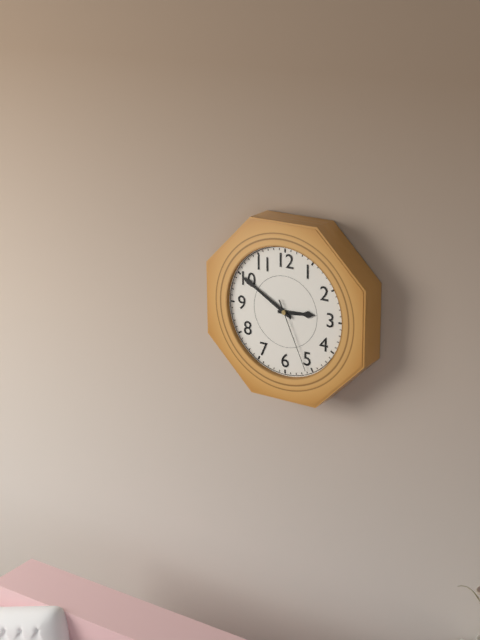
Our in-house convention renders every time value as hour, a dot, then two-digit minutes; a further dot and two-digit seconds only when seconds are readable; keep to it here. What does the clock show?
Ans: 2.50.26
